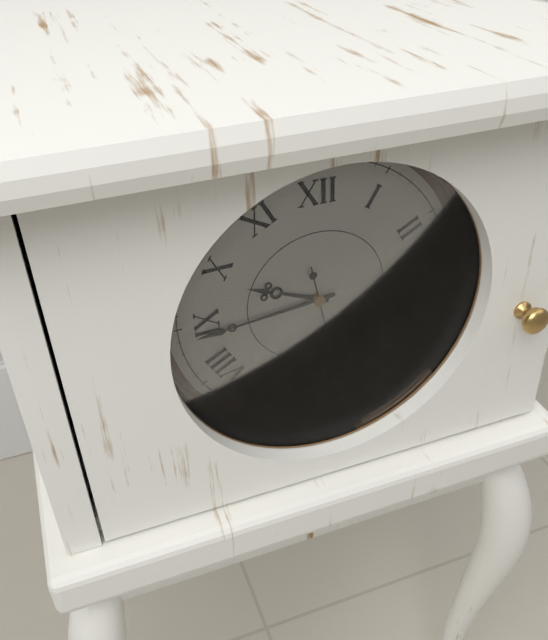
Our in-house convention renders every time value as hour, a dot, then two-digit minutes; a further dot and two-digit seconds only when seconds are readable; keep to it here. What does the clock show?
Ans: 9.44.28
